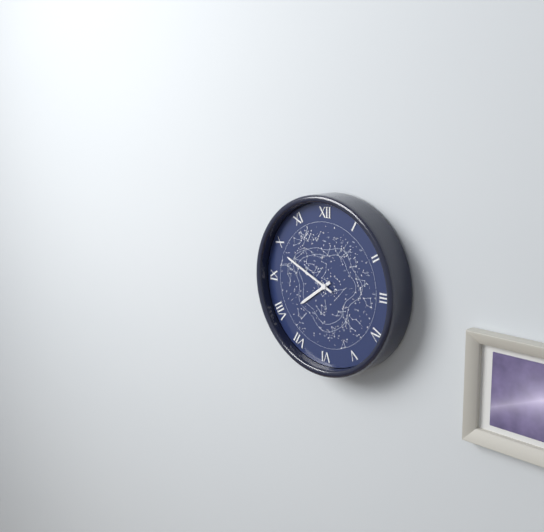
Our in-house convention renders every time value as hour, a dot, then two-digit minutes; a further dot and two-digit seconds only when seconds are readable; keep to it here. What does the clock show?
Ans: 7.49
